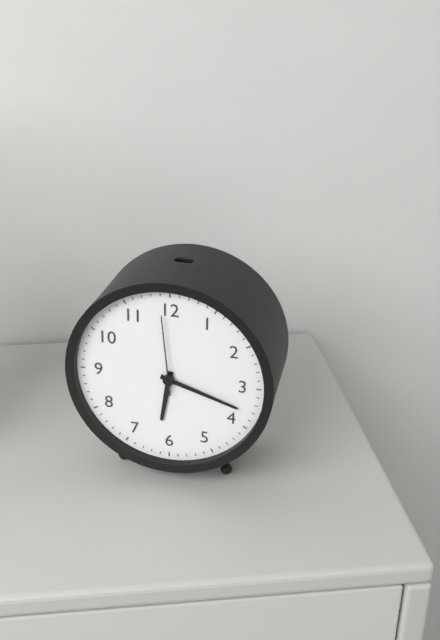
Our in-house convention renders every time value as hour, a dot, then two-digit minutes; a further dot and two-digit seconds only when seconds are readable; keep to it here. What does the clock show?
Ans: 6.18.59
